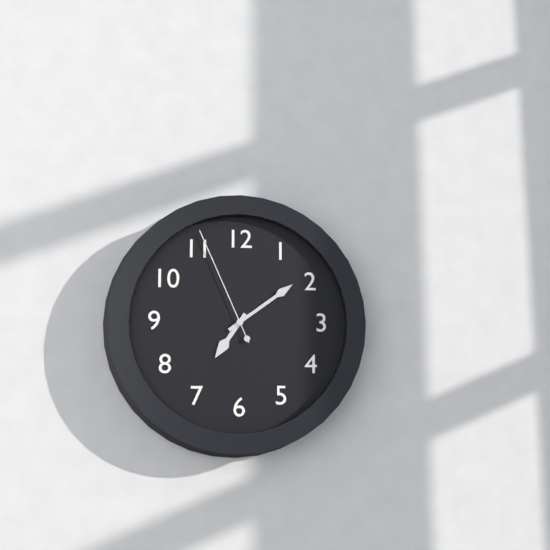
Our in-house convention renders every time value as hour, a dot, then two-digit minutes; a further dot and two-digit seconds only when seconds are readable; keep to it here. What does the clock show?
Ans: 7.09.56
